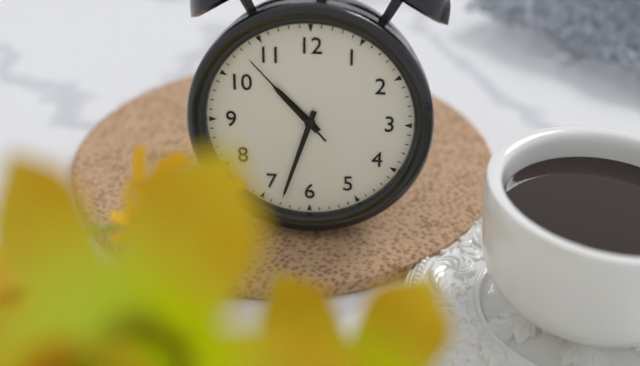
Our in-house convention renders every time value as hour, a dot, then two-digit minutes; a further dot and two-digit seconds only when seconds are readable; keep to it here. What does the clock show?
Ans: 10.33.53
